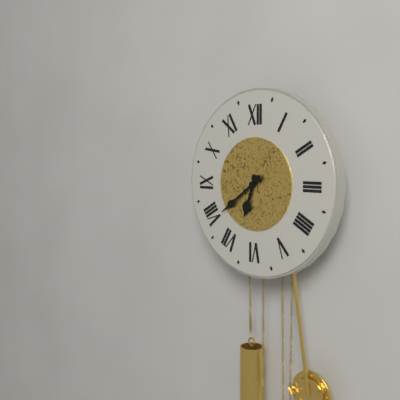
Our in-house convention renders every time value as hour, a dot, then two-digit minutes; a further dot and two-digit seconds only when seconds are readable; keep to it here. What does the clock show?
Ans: 6.39
